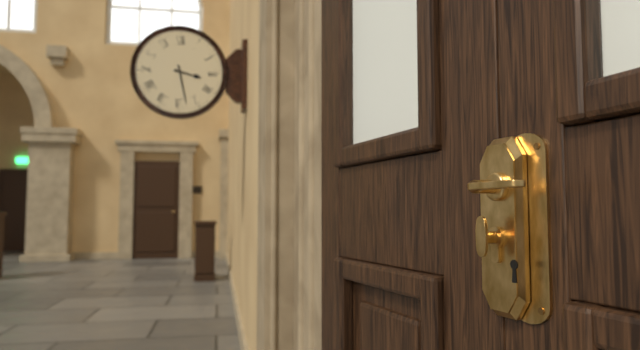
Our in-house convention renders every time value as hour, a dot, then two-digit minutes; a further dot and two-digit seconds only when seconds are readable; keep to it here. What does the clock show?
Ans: 3.28
